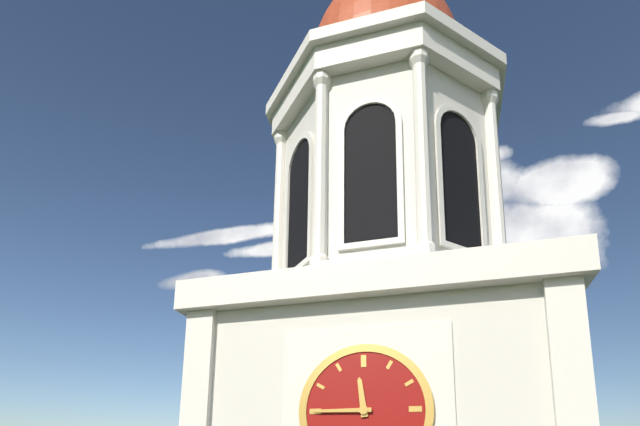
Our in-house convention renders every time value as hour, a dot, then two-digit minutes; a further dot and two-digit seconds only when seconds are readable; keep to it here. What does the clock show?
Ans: 11.45
